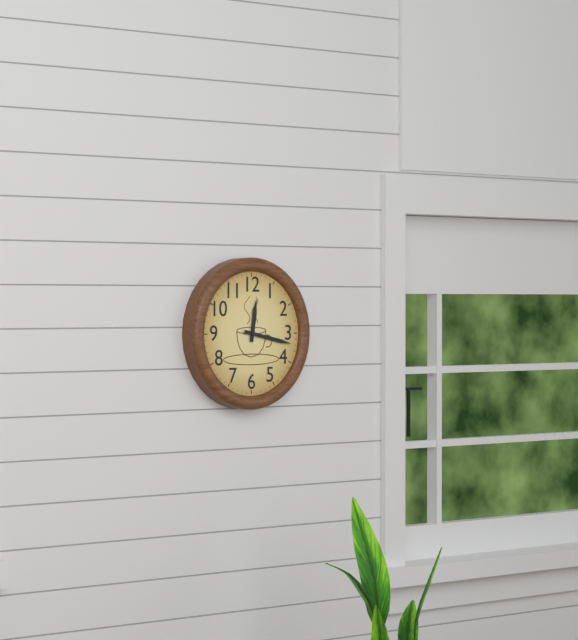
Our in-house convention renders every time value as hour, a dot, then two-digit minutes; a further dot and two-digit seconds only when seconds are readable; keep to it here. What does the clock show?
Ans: 12.17
